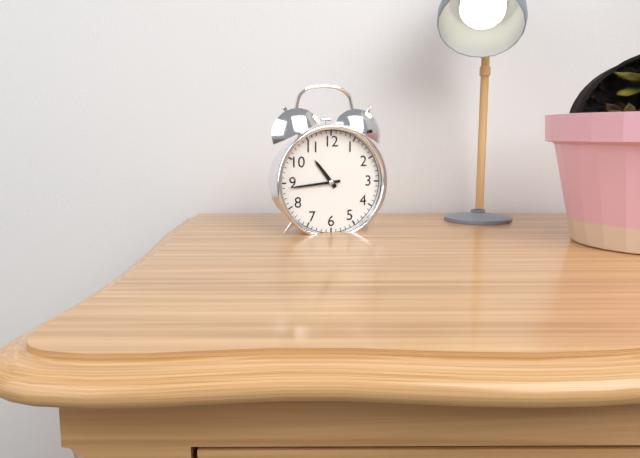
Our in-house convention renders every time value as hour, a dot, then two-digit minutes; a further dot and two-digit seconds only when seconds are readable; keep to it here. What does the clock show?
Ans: 10.44
